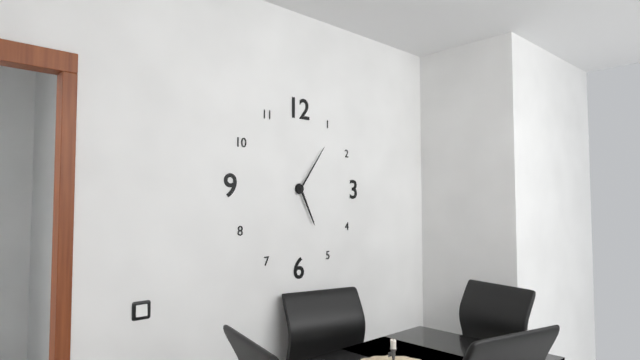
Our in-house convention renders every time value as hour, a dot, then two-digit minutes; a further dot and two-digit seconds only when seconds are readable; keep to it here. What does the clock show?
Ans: 5.06
